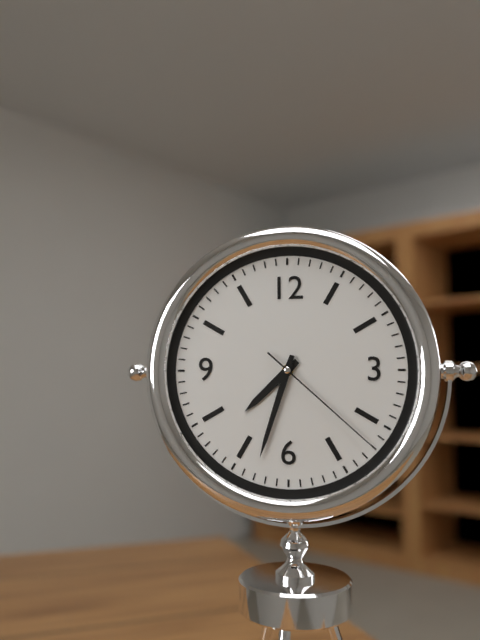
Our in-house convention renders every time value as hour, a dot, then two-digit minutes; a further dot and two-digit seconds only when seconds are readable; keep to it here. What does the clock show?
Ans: 7.33.22
